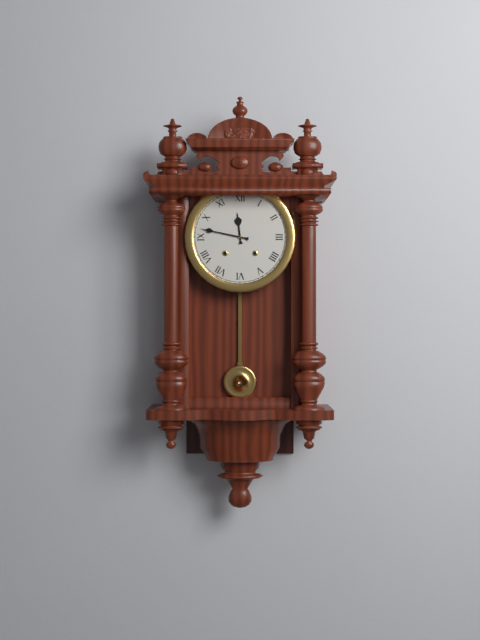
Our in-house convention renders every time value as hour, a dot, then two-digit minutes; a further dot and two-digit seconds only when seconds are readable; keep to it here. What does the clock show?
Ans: 11.47
